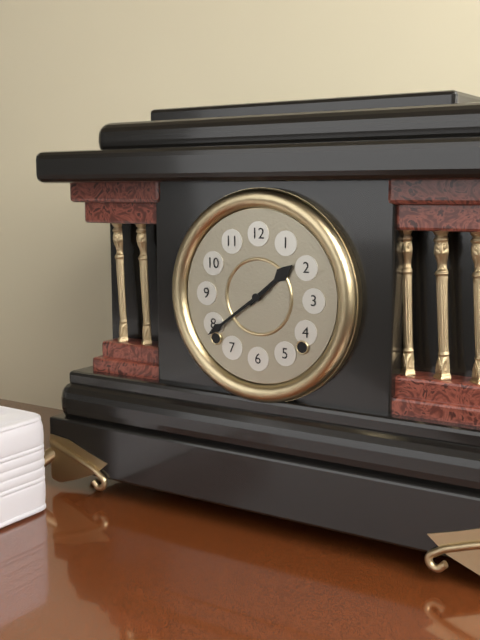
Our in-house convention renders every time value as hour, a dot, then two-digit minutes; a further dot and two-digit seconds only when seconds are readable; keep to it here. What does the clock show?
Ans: 1.39
